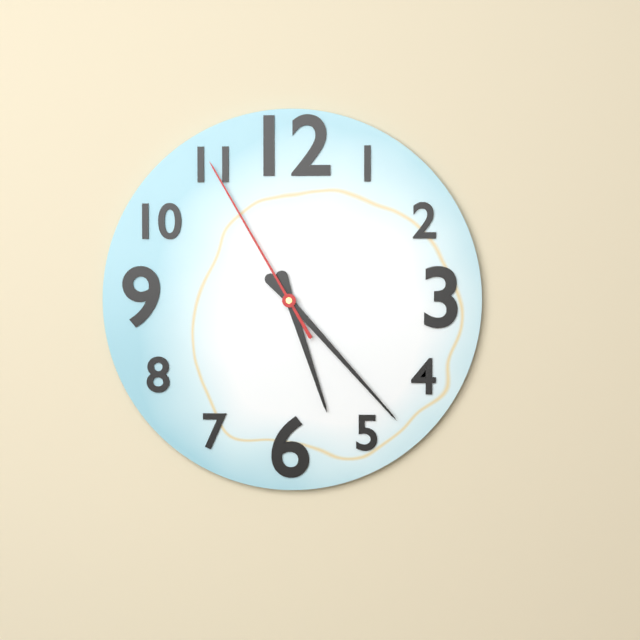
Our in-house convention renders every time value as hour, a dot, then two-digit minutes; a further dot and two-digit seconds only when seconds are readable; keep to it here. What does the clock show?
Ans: 5.23.55
